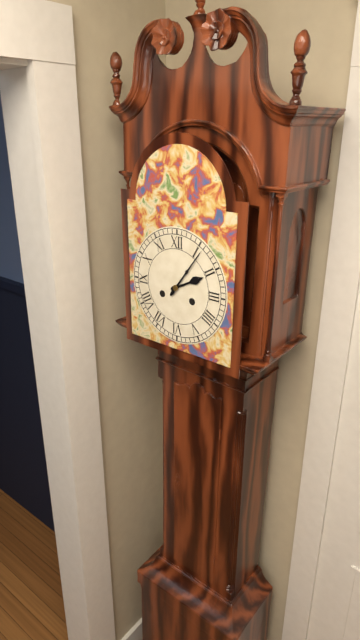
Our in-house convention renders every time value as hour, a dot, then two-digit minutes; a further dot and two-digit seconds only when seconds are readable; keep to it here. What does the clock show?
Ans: 2.06
